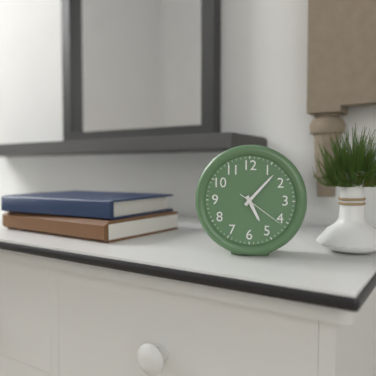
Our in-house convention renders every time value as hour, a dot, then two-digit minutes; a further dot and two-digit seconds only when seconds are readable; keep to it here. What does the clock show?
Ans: 5.07.21
